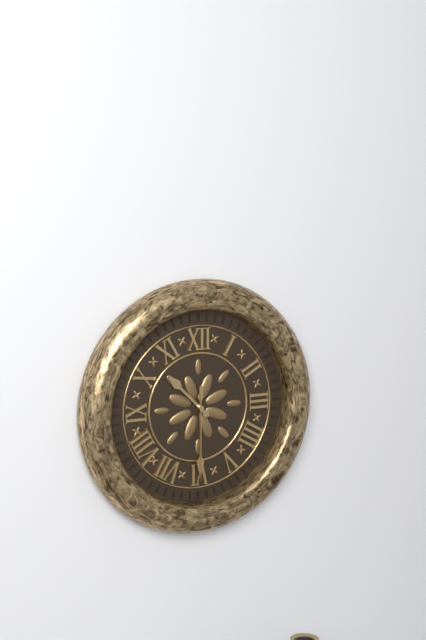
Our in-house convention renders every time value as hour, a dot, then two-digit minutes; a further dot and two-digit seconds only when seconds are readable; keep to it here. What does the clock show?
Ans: 10.30.30
